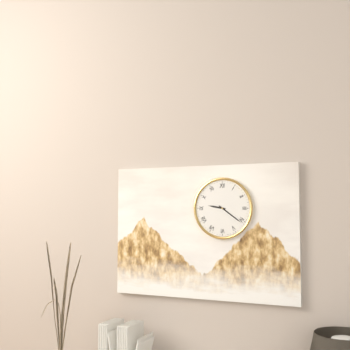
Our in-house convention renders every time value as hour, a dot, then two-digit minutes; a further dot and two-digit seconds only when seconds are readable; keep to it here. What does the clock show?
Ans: 9.21
